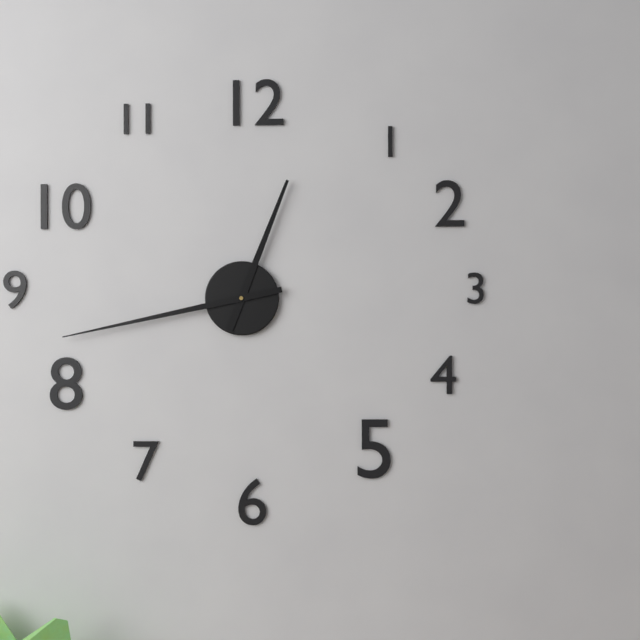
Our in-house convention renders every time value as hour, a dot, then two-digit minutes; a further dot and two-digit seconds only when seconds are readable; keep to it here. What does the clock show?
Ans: 12.43
